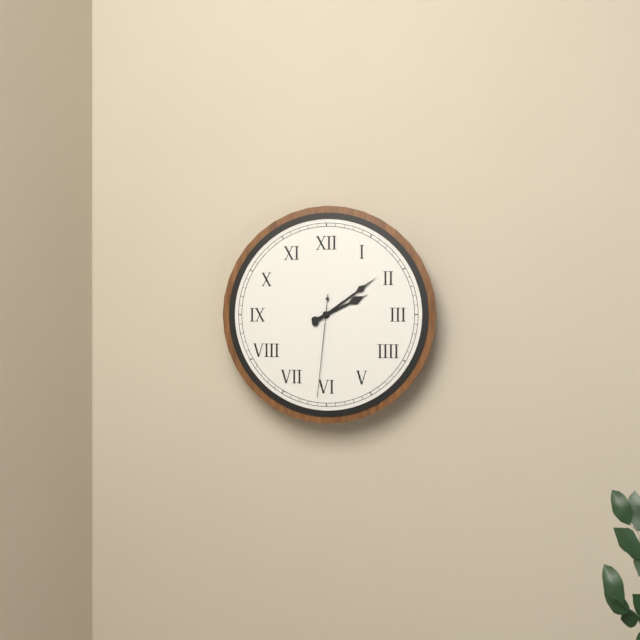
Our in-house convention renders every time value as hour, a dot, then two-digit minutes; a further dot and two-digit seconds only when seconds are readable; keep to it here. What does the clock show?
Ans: 2.09.31
